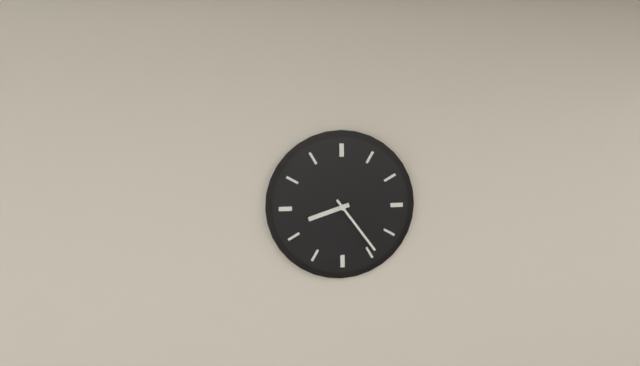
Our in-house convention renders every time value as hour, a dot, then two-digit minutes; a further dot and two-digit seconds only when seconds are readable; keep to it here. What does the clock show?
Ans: 8.24
